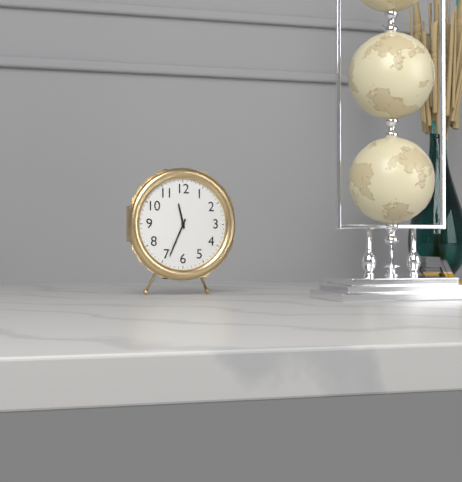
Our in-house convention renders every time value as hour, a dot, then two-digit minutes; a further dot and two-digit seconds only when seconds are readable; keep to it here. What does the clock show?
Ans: 11.34
